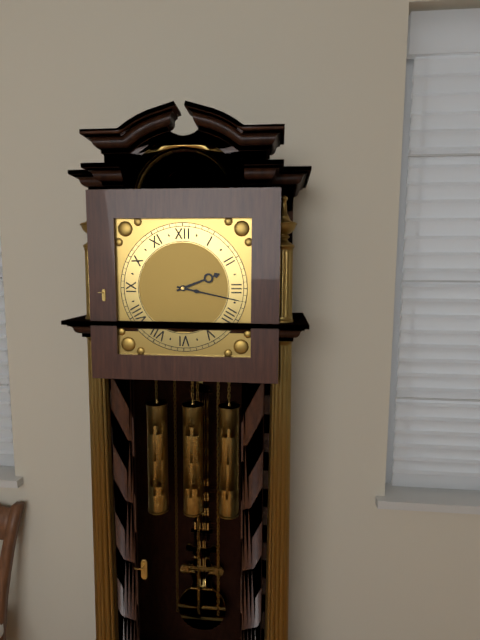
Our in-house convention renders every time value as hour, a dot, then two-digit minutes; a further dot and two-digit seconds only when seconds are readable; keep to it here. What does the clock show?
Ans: 2.17
